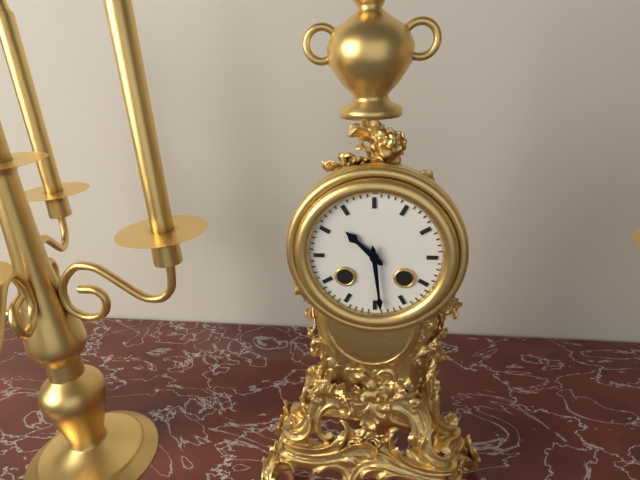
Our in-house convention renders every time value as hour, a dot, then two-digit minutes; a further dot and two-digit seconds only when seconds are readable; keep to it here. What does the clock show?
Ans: 10.29
